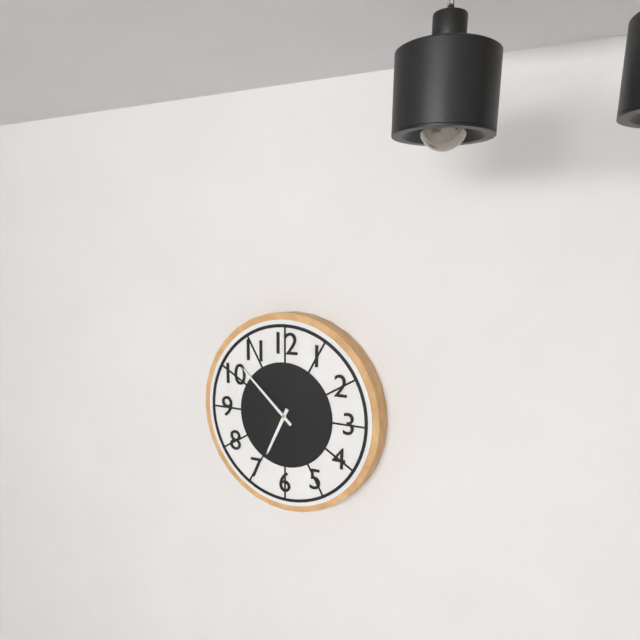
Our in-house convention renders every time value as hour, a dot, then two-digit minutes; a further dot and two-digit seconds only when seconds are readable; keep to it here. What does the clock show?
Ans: 6.52
